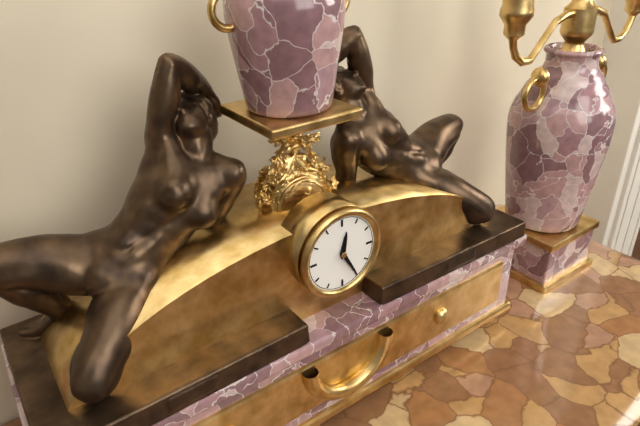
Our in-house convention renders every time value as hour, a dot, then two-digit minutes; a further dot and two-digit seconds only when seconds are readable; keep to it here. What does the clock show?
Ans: 12.25
